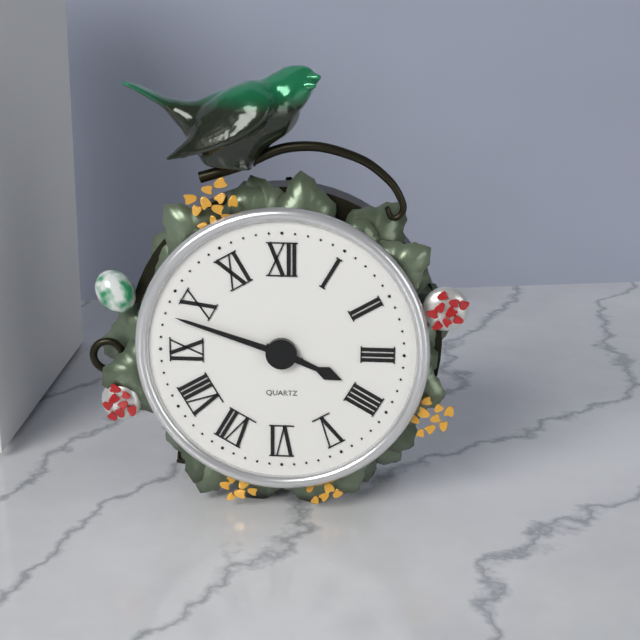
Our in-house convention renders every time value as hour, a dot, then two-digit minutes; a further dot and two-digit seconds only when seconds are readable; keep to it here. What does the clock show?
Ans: 3.48
